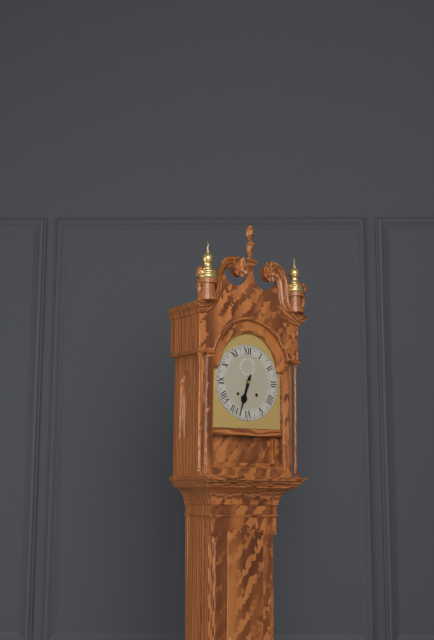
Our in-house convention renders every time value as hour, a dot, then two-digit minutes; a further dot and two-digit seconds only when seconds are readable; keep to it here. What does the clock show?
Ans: 6.33
